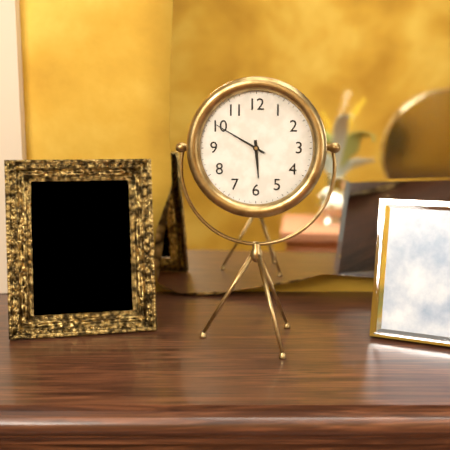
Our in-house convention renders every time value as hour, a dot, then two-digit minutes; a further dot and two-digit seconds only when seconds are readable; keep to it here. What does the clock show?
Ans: 5.50
